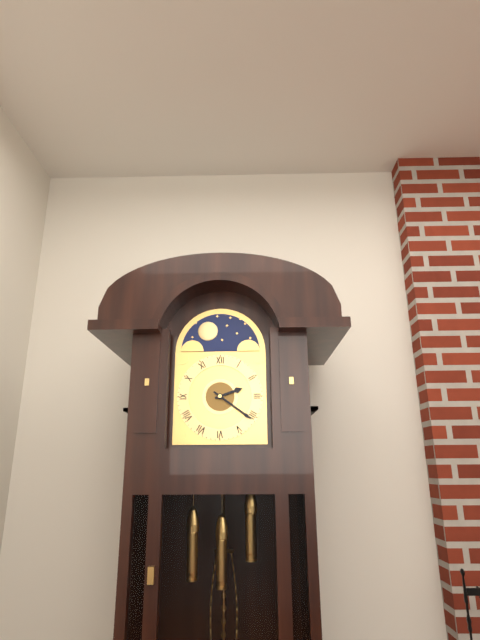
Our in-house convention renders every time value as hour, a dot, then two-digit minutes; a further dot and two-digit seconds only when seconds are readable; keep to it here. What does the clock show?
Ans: 2.21
